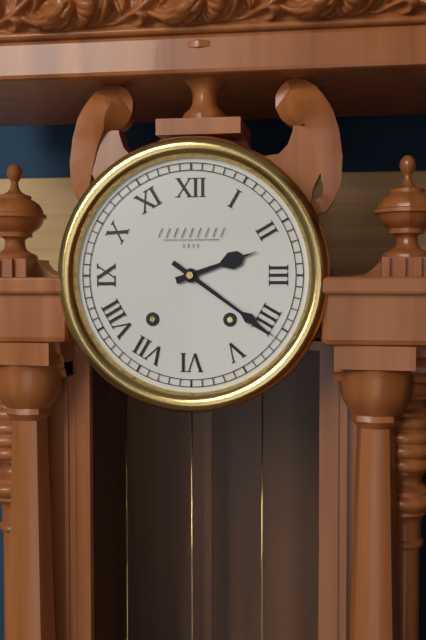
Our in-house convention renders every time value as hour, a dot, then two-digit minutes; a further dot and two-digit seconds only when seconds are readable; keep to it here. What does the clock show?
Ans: 2.21
